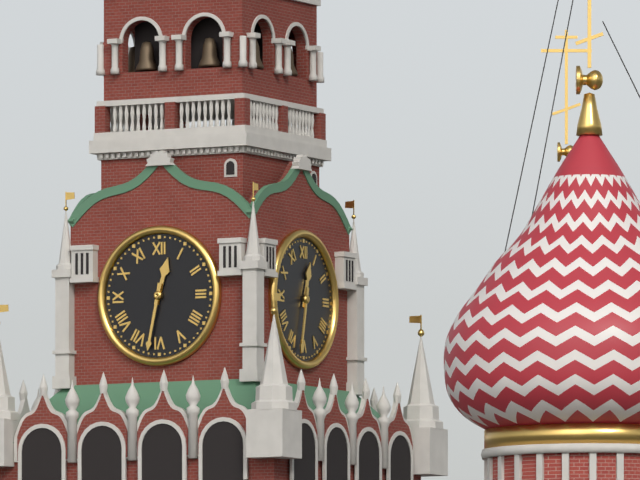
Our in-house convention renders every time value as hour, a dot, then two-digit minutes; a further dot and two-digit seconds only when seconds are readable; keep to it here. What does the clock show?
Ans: 12.32
